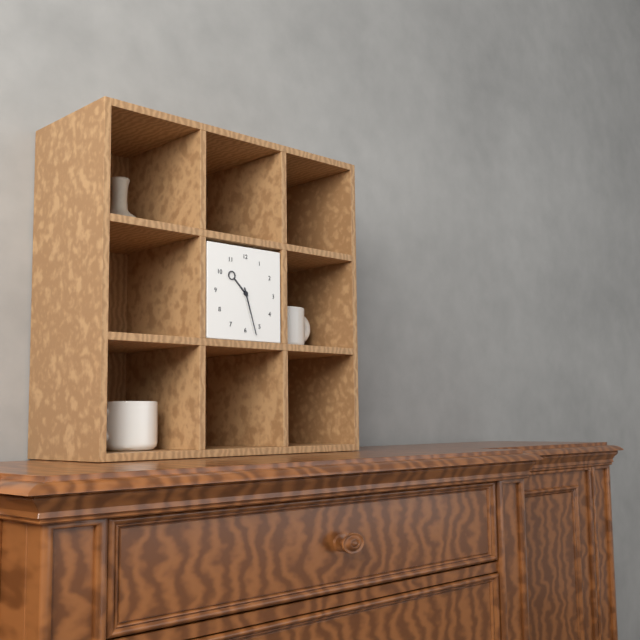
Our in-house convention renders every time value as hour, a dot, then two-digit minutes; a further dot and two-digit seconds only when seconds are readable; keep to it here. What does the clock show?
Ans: 10.27
